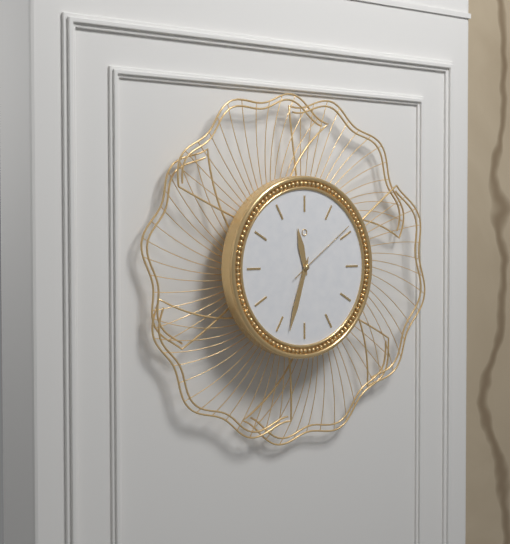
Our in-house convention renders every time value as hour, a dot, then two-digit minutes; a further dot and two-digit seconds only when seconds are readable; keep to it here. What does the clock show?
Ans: 11.33.09
